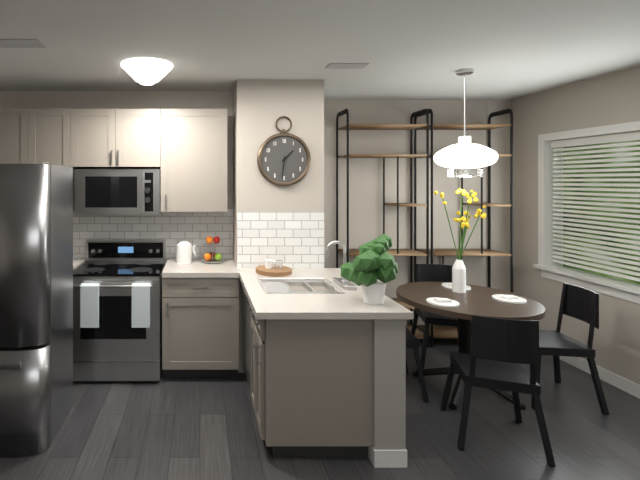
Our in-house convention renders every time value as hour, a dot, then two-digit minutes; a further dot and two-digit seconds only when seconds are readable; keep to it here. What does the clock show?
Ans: 1.31
